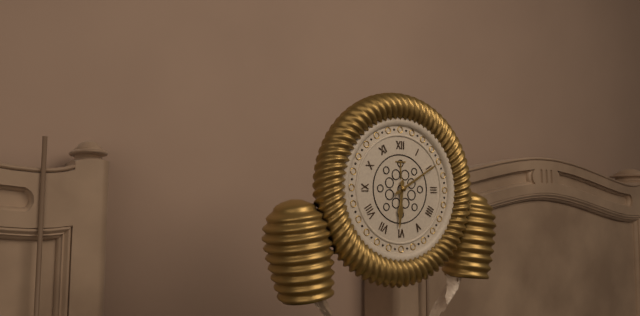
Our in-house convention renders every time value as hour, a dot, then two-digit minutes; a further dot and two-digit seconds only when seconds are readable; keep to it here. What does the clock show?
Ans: 6.10
